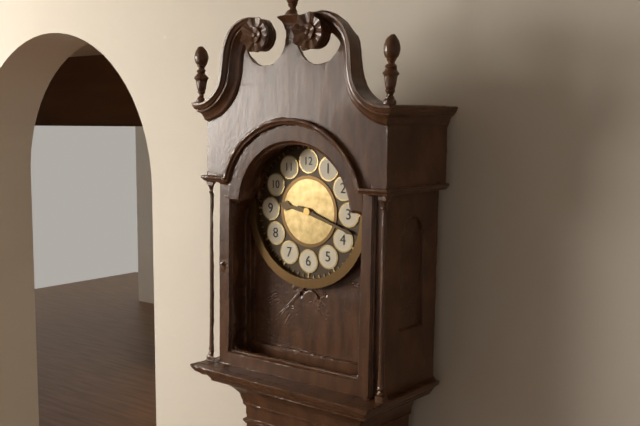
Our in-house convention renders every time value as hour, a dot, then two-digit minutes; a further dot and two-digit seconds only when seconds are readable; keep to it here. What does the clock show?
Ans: 9.18
